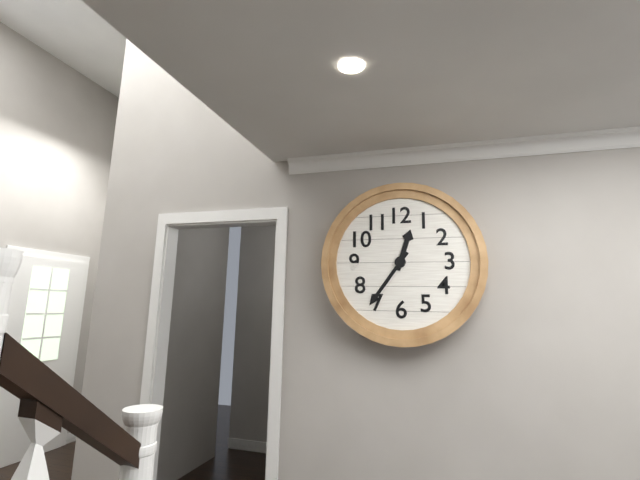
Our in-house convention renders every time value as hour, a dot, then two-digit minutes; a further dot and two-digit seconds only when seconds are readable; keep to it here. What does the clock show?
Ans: 12.36
